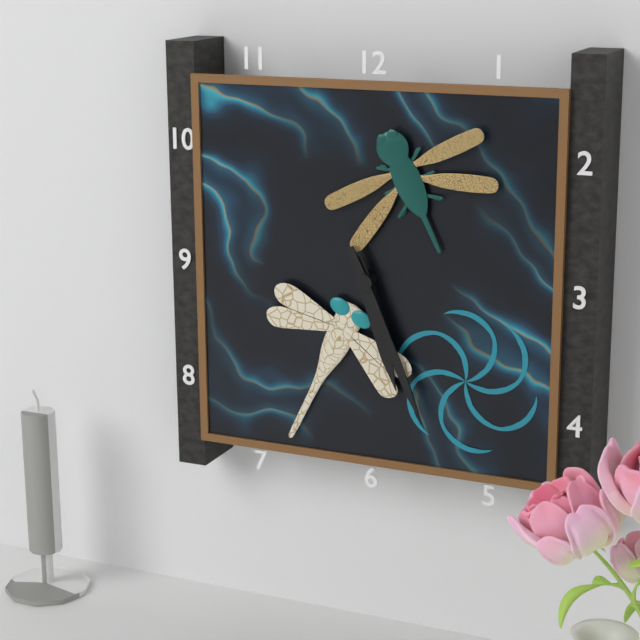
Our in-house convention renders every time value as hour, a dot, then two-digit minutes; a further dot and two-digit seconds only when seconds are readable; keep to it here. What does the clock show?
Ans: 5.26
